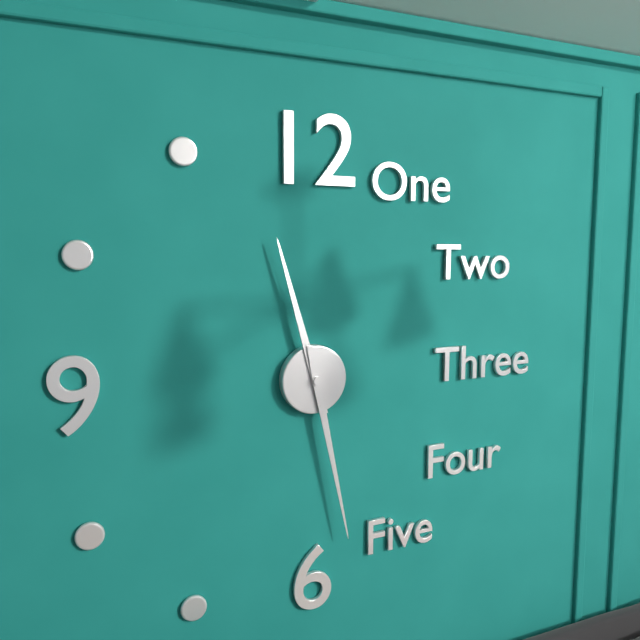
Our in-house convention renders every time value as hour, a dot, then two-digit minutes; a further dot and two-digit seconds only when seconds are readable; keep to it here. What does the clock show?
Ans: 11.28
